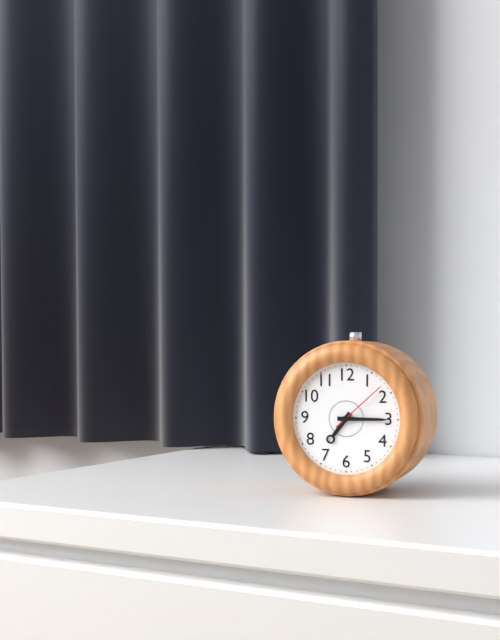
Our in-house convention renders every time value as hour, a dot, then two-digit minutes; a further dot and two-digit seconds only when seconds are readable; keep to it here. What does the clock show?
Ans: 7.15
